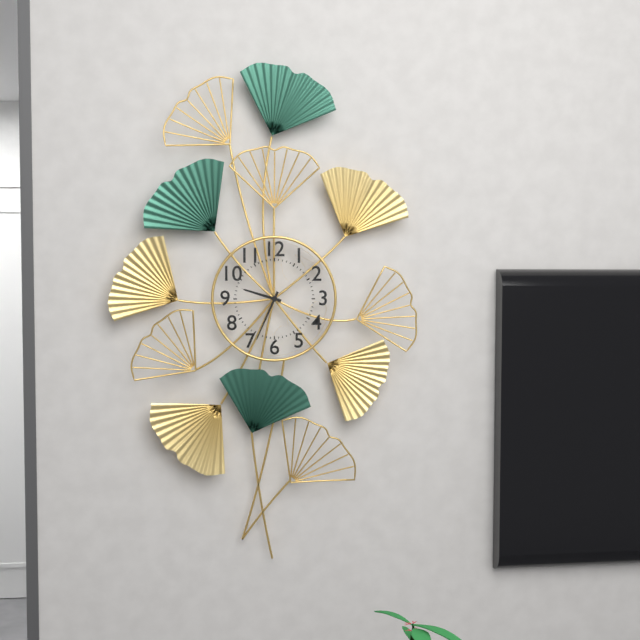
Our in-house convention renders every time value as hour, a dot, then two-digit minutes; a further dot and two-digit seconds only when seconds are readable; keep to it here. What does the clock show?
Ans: 9.34
